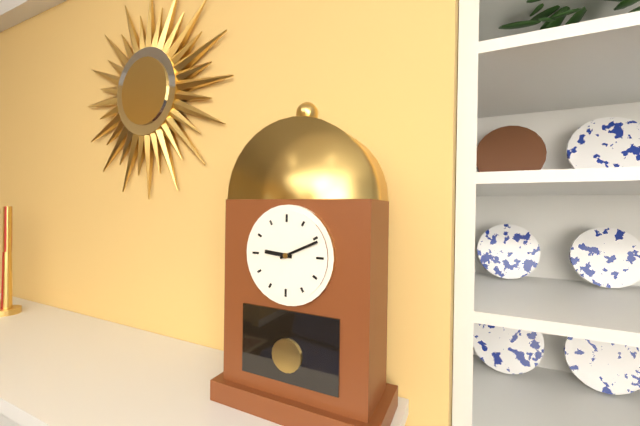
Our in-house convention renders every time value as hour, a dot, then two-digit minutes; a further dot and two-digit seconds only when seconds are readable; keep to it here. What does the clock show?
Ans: 9.11
